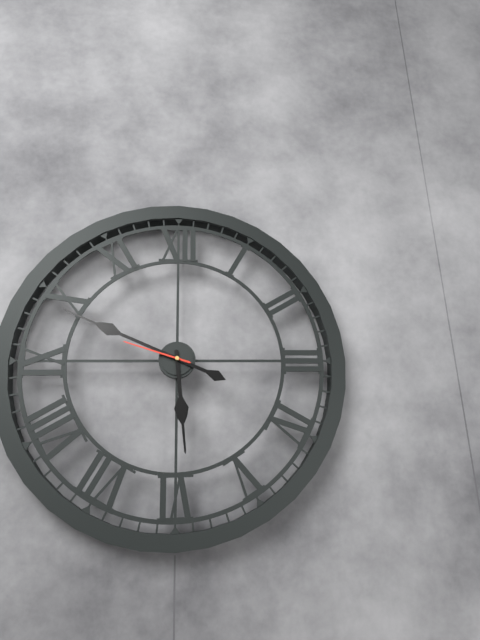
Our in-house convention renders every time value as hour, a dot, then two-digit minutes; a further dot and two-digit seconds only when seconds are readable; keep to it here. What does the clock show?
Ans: 5.49.48
